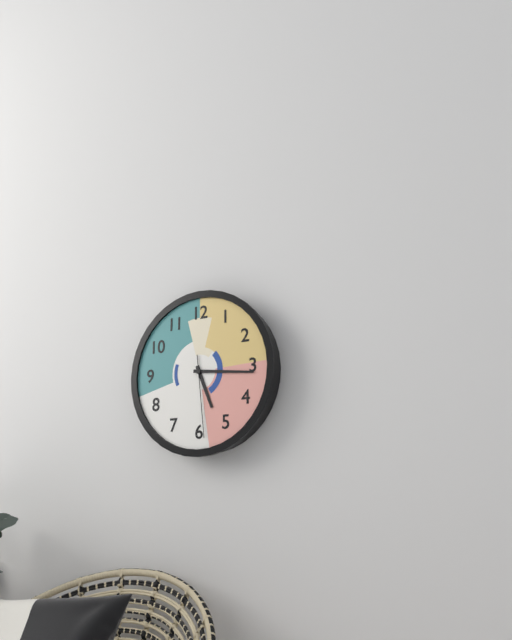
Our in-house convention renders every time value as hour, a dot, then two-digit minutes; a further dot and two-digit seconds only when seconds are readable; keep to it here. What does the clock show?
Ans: 5.16.29
